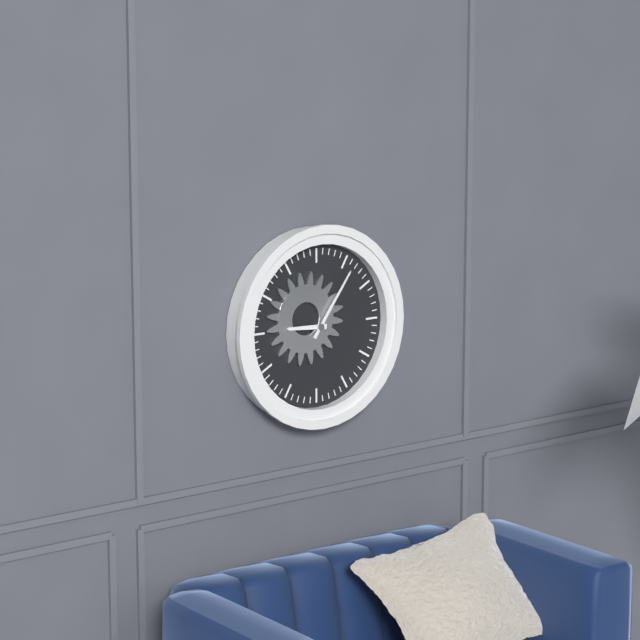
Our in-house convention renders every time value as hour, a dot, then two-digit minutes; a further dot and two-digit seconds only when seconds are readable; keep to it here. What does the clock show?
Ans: 9.06
